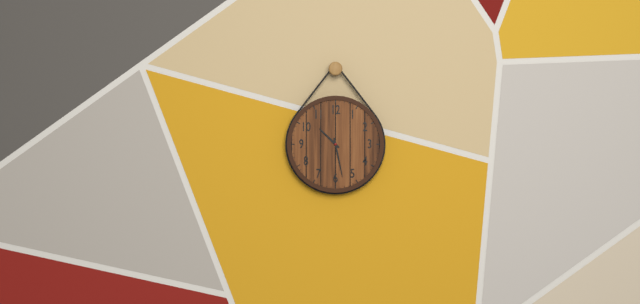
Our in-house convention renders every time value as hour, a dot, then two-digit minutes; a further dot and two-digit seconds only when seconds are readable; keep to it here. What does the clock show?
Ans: 10.28
